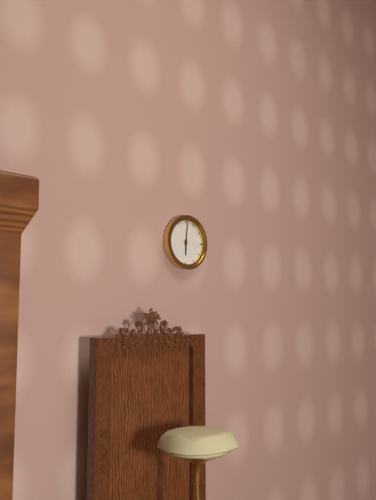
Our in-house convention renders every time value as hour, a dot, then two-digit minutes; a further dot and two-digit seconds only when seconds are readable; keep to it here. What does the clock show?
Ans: 6.01
